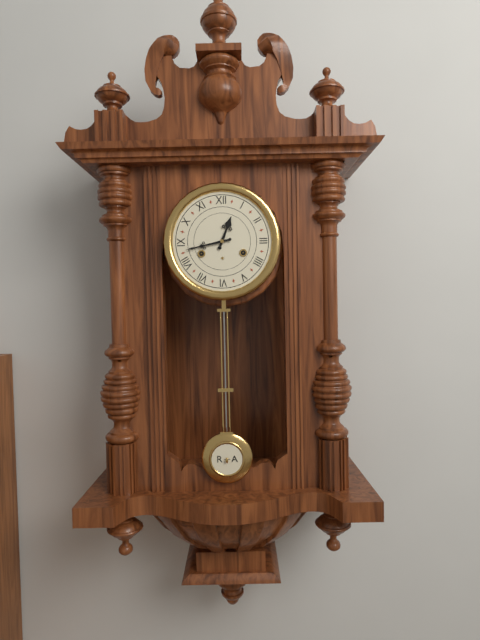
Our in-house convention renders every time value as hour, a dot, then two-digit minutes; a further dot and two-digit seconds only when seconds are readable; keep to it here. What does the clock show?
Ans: 12.43
